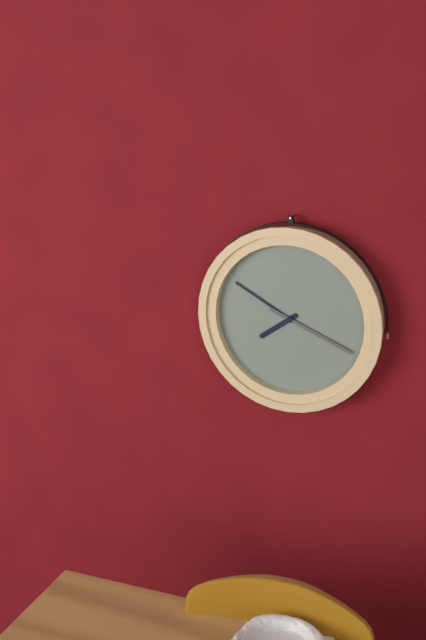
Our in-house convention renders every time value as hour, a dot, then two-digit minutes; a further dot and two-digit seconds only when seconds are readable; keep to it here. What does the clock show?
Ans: 7.50.19
